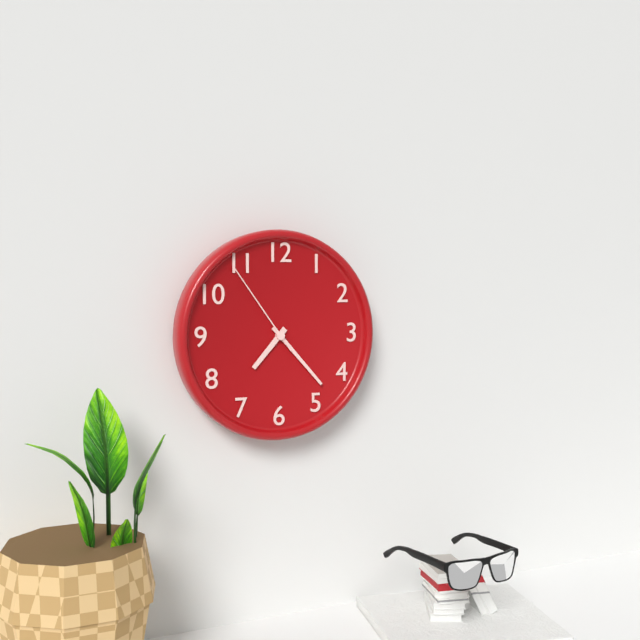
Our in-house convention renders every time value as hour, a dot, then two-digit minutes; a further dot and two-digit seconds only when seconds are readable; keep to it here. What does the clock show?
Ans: 7.23.54
